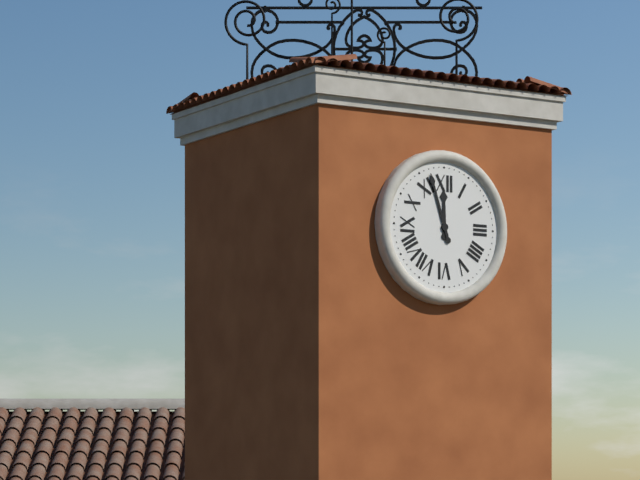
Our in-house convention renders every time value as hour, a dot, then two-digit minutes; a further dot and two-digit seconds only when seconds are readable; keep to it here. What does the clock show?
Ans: 11.57
